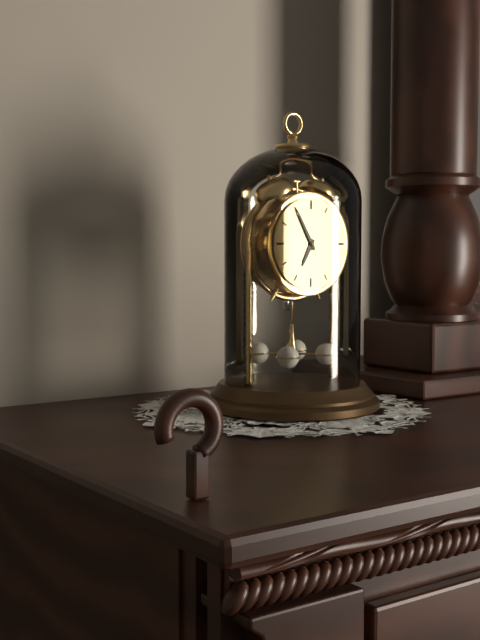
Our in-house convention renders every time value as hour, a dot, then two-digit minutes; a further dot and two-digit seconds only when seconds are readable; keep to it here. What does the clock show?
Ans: 6.55
